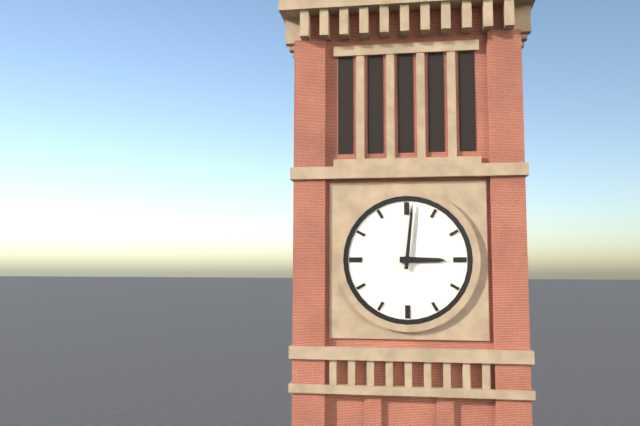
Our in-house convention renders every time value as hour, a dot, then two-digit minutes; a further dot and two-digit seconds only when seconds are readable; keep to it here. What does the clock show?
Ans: 3.01
